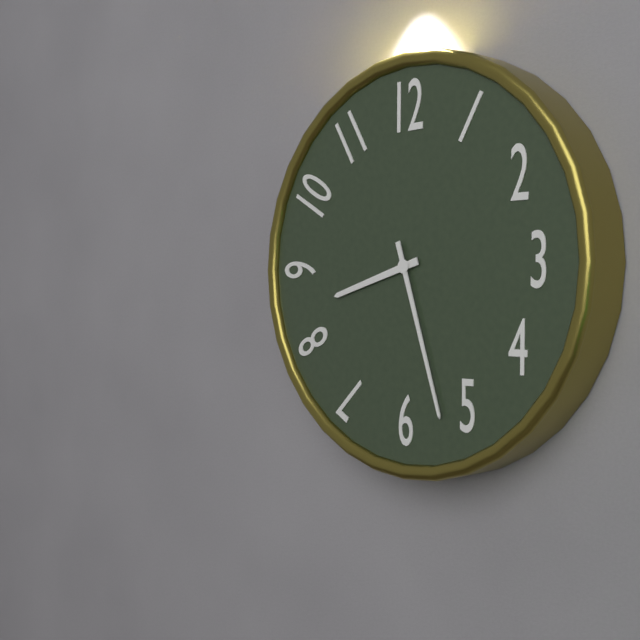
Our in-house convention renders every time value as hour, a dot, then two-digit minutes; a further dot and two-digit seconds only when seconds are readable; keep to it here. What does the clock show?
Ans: 8.27
